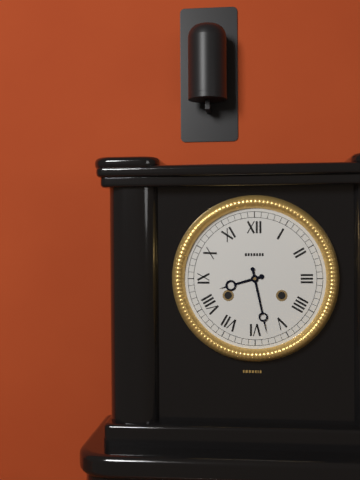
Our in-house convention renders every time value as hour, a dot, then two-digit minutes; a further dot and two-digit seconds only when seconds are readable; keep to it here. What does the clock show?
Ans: 8.28
